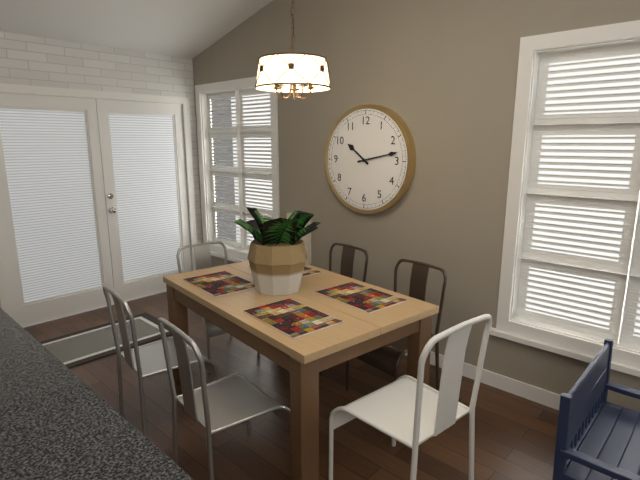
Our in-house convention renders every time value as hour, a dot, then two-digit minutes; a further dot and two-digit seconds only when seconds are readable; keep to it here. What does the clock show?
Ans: 10.13
